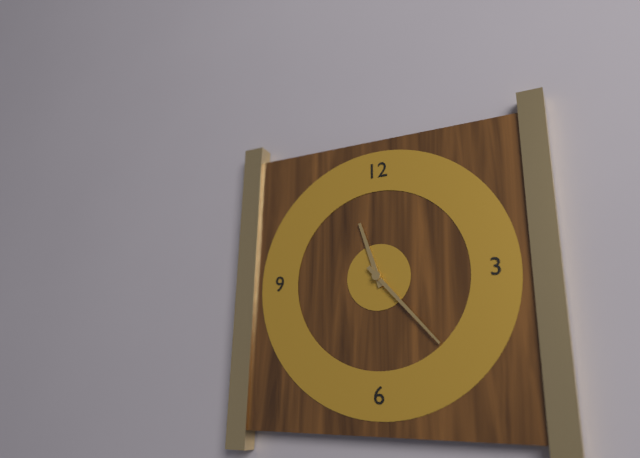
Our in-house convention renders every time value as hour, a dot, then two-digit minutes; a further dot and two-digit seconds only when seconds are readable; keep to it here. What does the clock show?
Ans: 11.23
